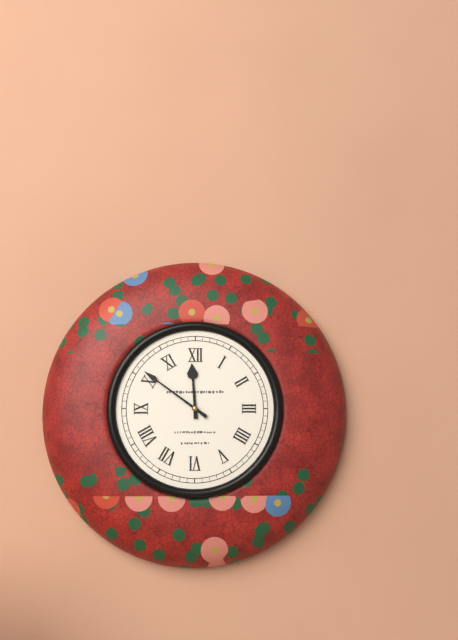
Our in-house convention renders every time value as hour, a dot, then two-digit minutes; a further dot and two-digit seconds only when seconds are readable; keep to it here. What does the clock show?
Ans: 11.51
